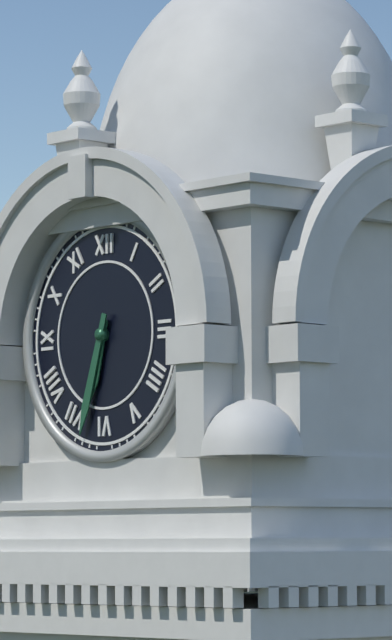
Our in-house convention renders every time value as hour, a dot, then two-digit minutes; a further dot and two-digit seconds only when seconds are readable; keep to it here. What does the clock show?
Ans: 6.33
